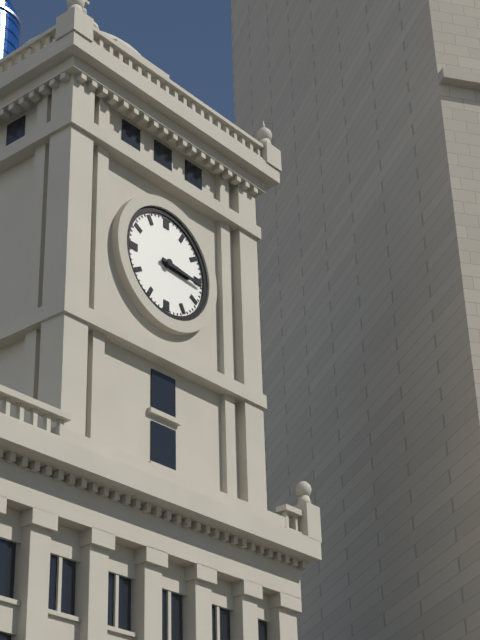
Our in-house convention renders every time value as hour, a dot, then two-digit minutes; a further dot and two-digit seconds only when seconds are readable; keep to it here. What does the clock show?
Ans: 3.16
